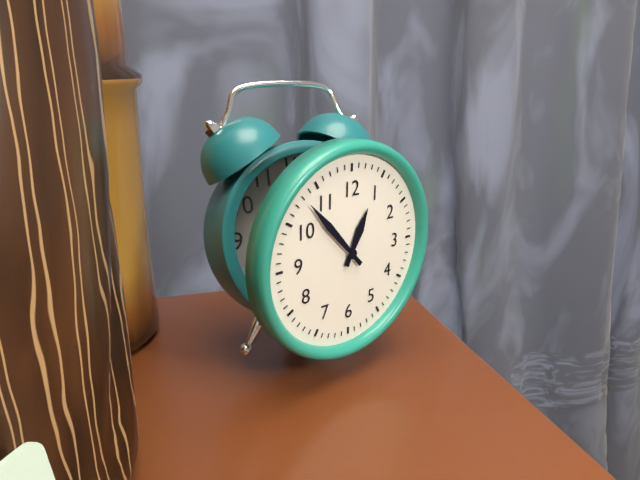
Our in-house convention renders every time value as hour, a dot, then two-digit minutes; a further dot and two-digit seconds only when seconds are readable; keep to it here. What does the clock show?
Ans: 12.53
